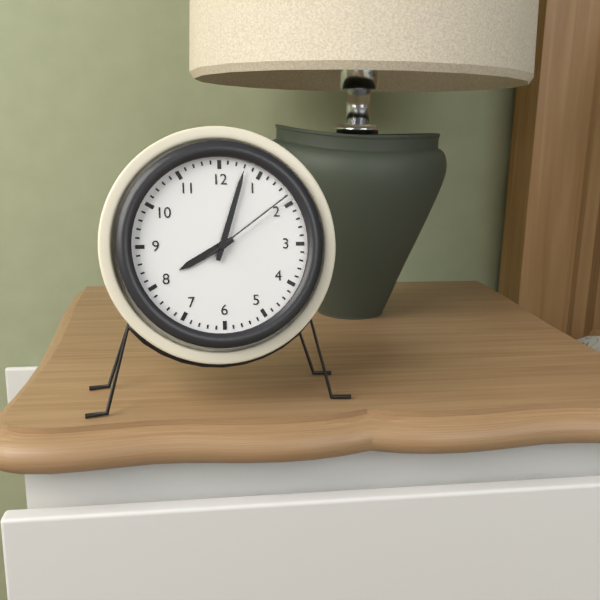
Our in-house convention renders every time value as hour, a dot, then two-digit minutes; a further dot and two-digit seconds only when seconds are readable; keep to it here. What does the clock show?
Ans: 8.03.09
